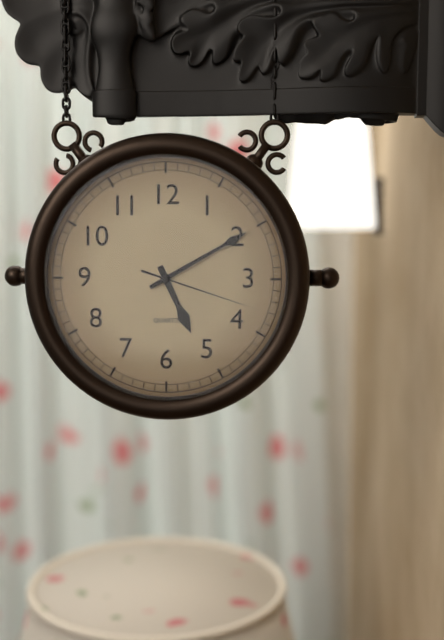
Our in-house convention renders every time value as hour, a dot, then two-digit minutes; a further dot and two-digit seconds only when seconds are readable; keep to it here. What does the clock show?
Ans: 5.10.18
